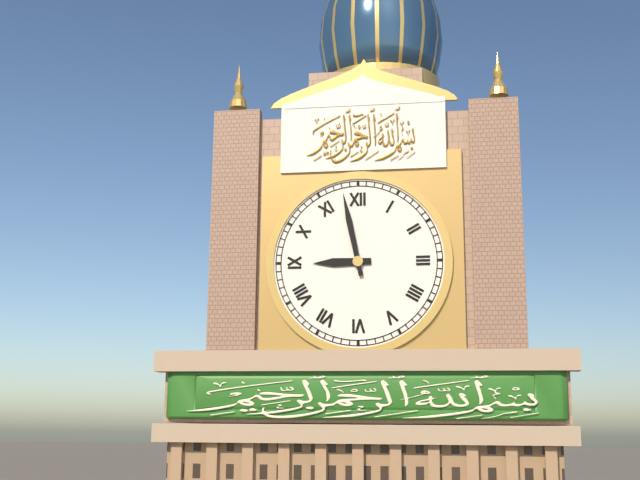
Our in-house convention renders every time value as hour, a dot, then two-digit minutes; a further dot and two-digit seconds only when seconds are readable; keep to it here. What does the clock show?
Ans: 8.58
